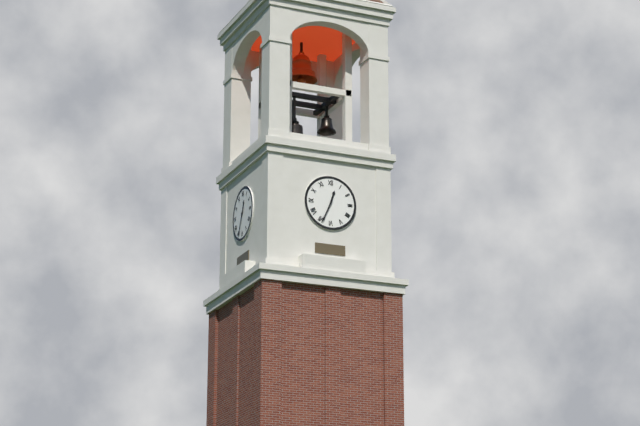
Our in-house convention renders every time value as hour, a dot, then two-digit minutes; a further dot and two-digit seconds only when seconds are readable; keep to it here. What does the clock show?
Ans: 12.34
